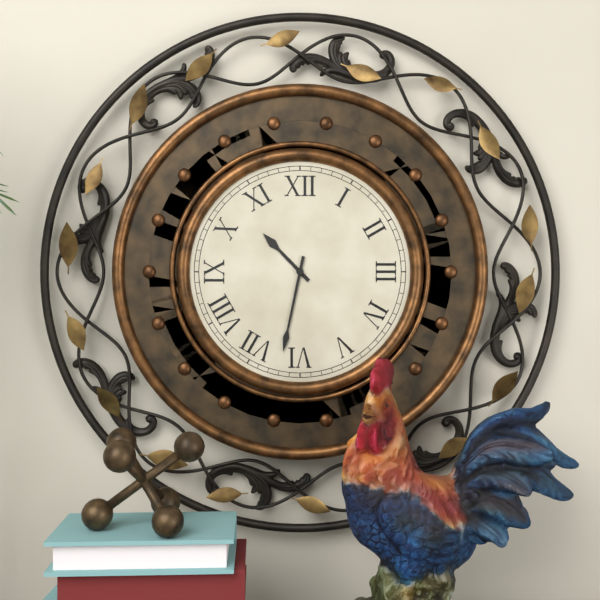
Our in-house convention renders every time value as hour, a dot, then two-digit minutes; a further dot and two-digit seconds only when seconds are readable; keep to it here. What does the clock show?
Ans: 10.32
